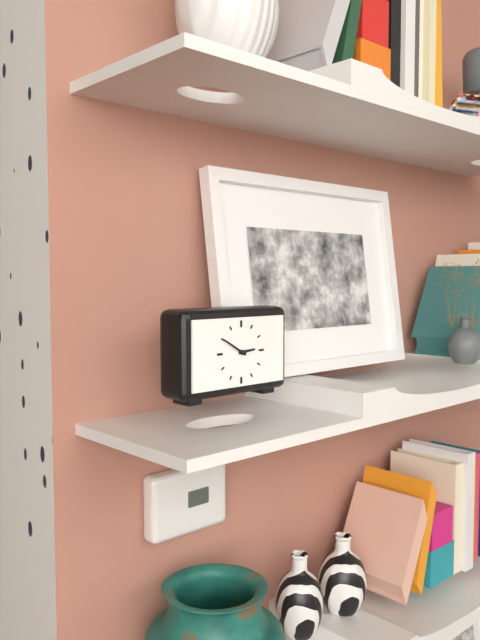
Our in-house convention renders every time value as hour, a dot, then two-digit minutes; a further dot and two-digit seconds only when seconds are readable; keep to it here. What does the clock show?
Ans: 2.50
